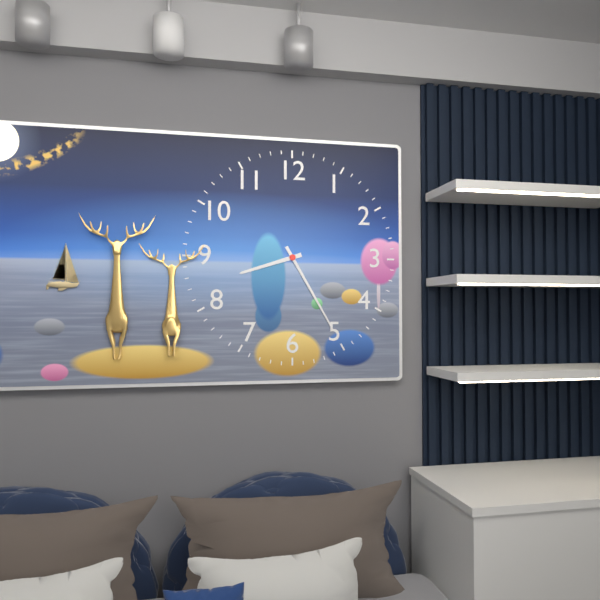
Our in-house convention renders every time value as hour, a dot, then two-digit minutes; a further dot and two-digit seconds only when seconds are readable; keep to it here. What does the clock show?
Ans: 8.25
